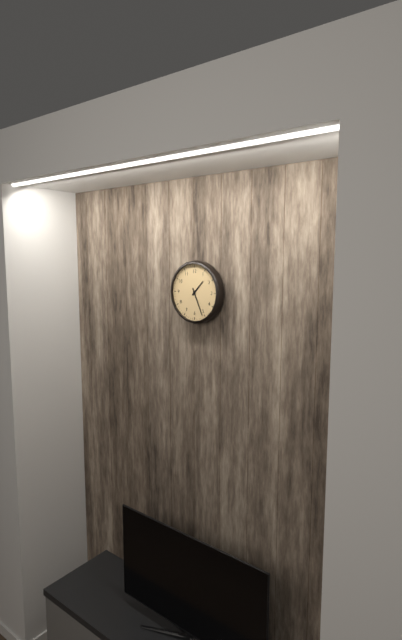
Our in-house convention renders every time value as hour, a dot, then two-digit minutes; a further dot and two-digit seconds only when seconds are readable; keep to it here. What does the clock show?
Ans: 1.26
